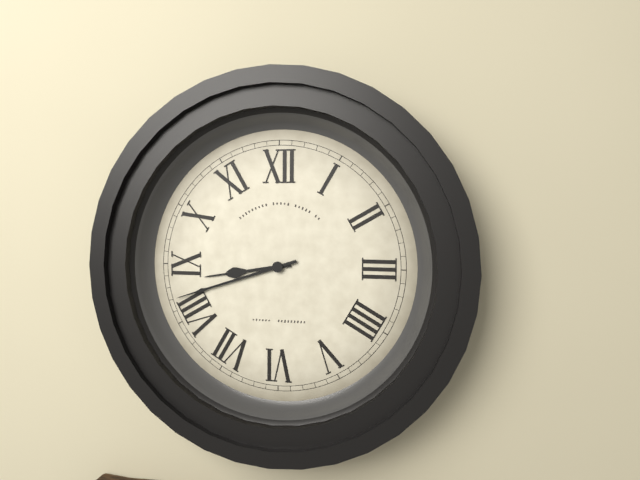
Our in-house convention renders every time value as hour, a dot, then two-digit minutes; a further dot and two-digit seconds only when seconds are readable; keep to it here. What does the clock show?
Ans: 8.42
